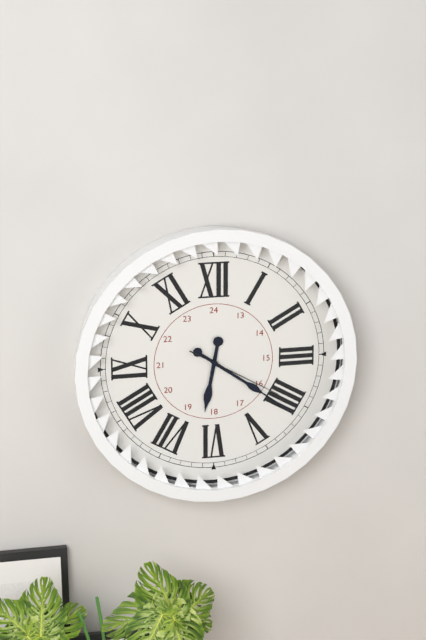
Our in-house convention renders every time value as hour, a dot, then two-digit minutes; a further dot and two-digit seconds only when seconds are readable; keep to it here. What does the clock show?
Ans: 6.21.20
